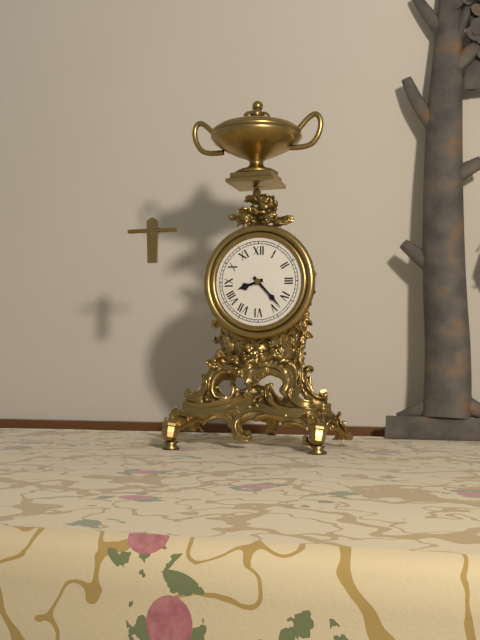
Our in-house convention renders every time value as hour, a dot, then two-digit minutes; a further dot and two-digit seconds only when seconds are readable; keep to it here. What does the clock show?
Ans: 8.23
